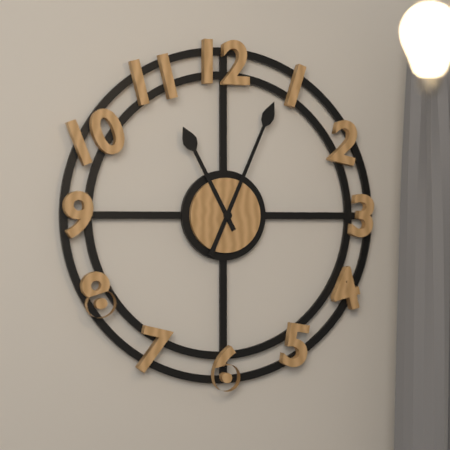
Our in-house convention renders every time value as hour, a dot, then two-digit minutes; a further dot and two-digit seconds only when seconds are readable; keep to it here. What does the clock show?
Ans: 11.04
